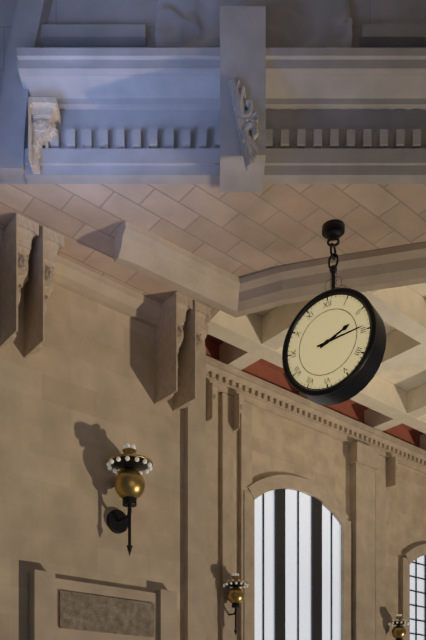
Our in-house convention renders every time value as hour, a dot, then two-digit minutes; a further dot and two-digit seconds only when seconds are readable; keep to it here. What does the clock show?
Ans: 2.14
